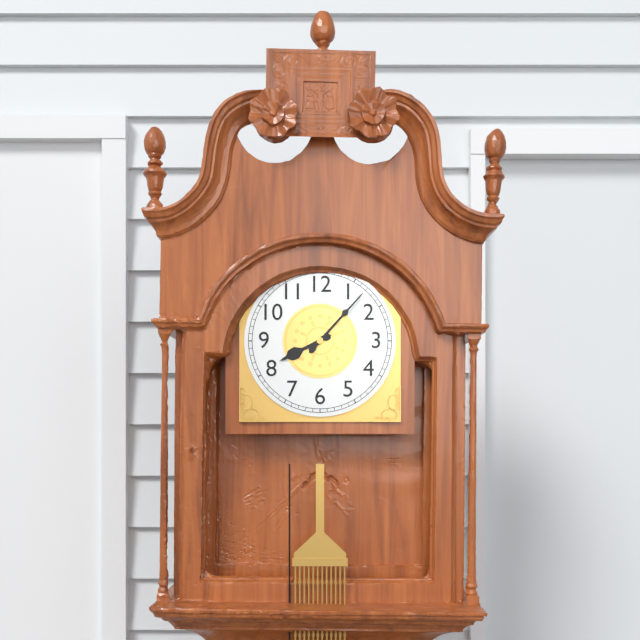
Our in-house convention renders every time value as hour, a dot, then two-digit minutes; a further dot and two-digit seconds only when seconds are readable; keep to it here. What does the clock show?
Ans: 8.07
